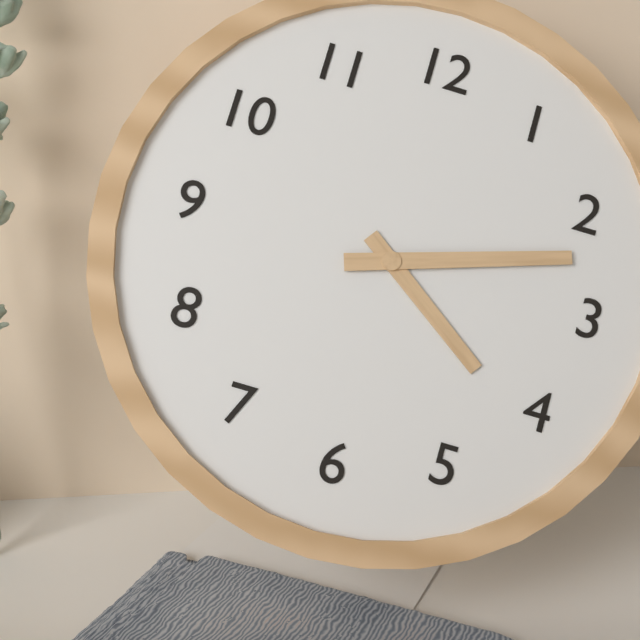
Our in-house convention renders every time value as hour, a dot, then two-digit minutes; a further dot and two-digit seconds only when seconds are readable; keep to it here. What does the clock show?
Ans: 4.12
